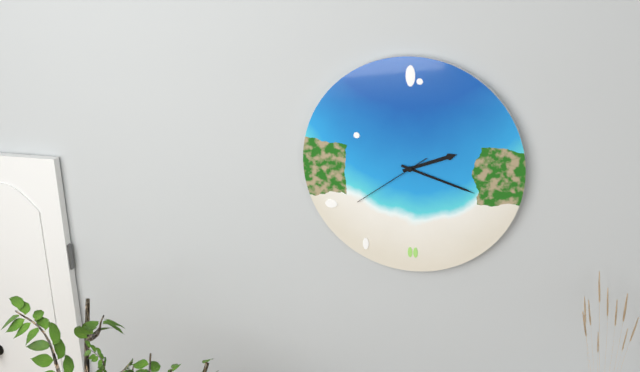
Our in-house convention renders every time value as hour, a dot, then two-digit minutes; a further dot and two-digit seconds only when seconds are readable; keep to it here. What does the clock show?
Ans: 2.18.39
